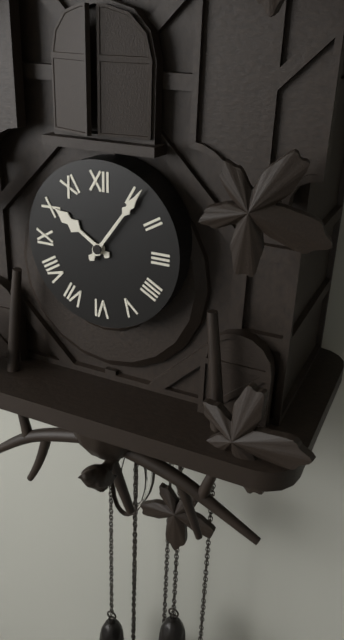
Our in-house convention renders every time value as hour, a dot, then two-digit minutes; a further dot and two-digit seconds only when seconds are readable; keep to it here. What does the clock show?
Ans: 10.06
